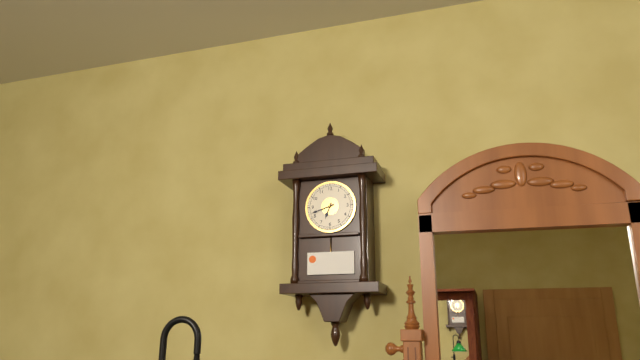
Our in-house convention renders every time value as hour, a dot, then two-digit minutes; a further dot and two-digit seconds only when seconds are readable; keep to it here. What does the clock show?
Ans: 6.42
